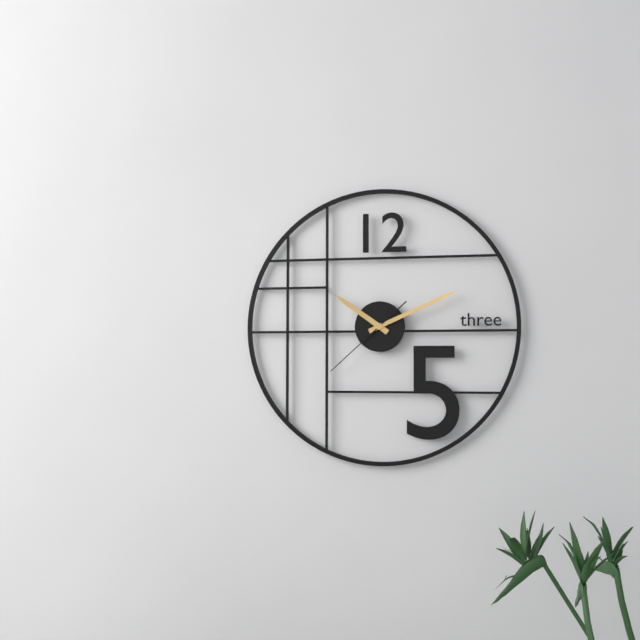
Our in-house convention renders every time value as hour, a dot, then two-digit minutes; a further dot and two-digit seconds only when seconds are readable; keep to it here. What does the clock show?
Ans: 10.11.38
